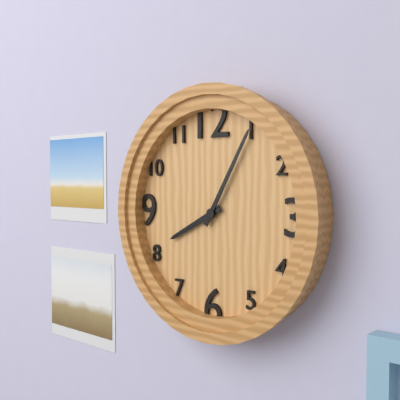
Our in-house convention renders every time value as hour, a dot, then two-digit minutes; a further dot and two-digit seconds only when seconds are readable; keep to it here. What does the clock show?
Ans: 8.05
